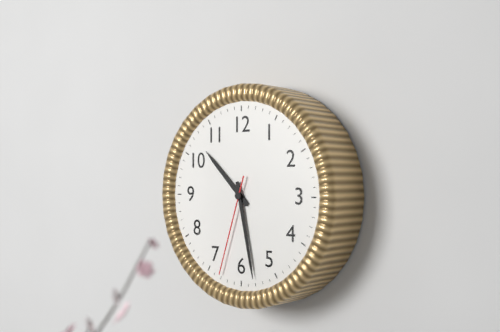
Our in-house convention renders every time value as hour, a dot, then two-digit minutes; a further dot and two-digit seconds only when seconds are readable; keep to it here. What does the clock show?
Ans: 10.28.33
